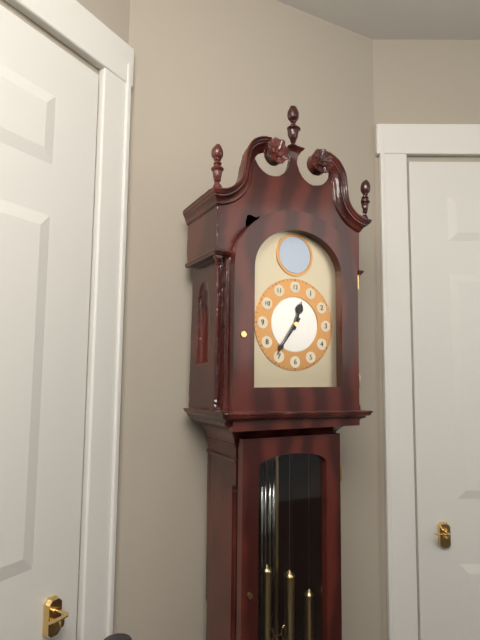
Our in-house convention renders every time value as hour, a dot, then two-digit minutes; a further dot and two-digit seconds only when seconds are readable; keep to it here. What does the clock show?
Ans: 12.36
